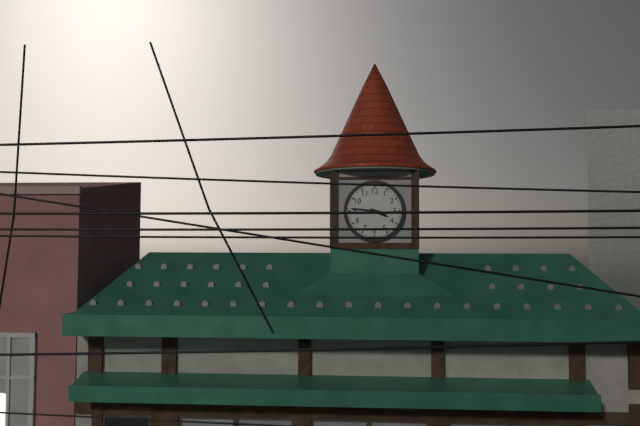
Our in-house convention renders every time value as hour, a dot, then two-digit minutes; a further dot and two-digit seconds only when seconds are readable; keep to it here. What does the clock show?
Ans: 3.46
